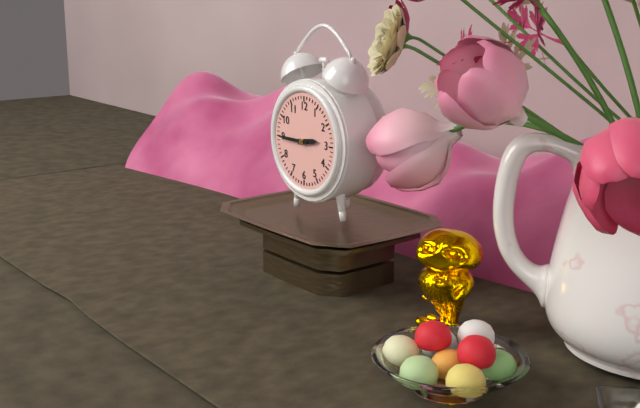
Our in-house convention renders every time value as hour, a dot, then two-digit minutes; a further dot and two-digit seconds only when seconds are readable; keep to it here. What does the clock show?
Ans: 2.45
